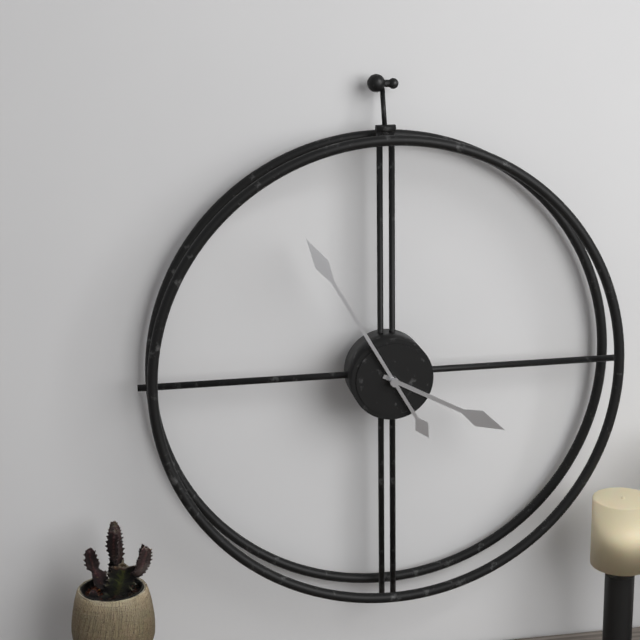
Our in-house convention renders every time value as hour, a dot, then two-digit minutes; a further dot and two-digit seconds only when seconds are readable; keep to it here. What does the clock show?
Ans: 3.55
